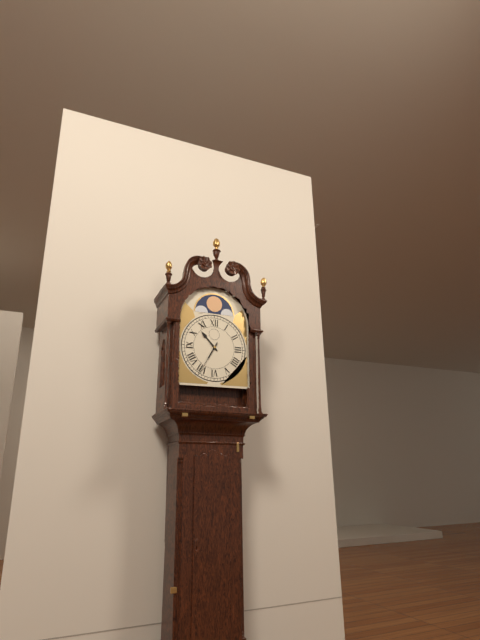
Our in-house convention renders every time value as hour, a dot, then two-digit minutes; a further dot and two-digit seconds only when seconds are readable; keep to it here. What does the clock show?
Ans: 10.35
